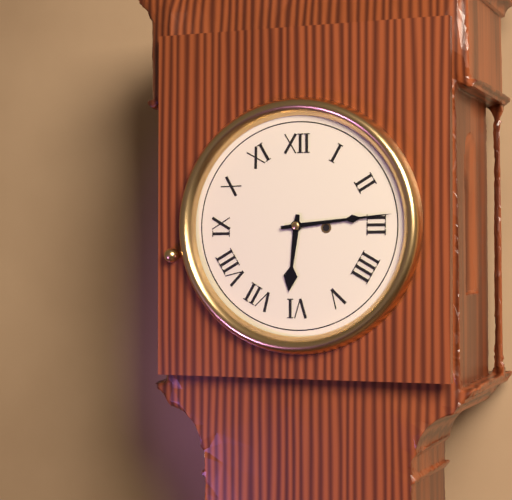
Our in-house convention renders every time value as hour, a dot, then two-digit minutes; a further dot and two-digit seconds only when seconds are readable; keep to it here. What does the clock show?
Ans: 6.14
